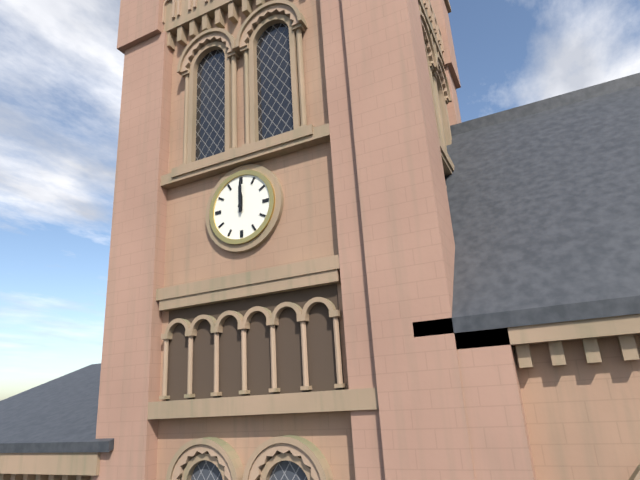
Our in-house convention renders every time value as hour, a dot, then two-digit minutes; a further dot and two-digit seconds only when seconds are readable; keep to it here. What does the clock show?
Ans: 12.00
